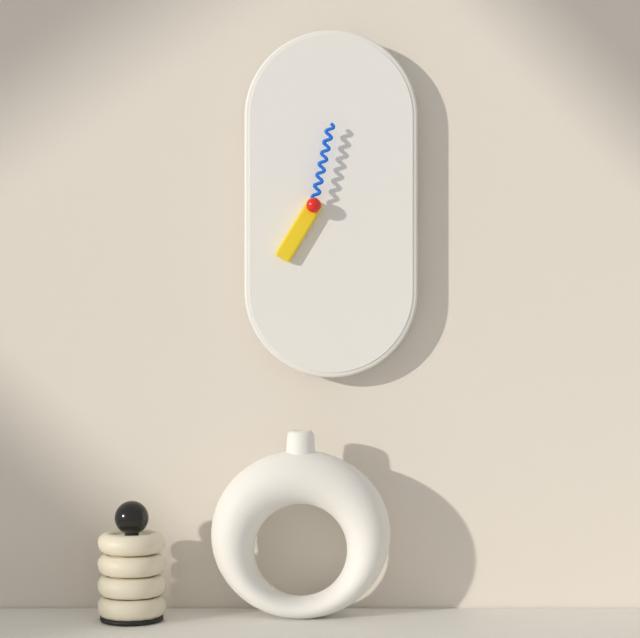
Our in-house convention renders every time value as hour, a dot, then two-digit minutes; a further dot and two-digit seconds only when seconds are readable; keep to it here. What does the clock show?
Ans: 7.02
